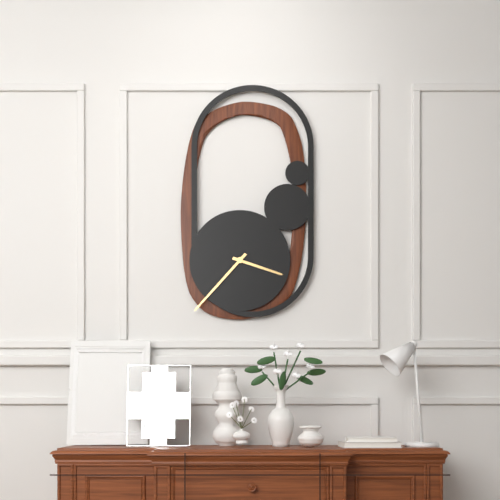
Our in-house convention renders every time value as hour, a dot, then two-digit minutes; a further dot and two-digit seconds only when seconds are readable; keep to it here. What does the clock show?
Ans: 3.37
